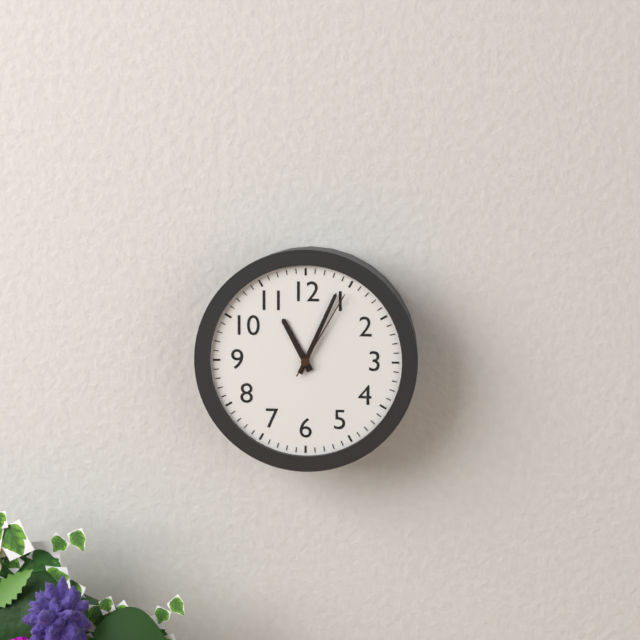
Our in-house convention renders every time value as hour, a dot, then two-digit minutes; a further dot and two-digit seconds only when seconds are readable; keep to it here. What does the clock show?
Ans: 11.04.05
